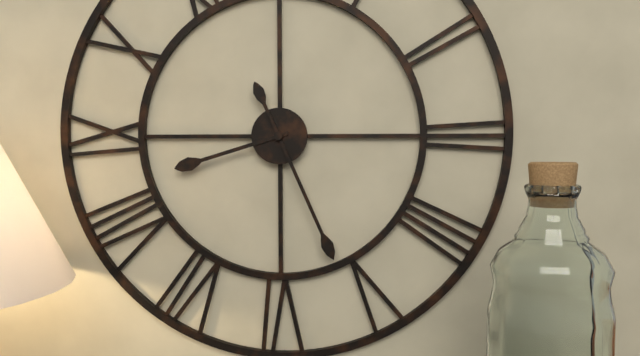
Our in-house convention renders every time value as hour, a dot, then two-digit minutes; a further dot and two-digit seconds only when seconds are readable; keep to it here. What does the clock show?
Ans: 8.26
